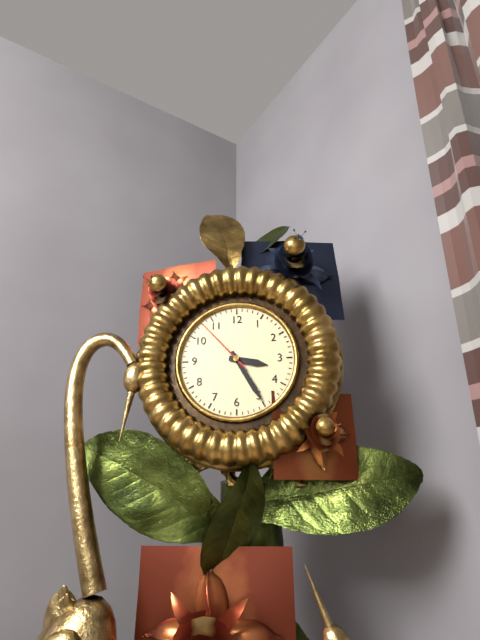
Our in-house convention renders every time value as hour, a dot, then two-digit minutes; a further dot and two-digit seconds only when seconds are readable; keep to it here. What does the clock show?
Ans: 3.25.53
